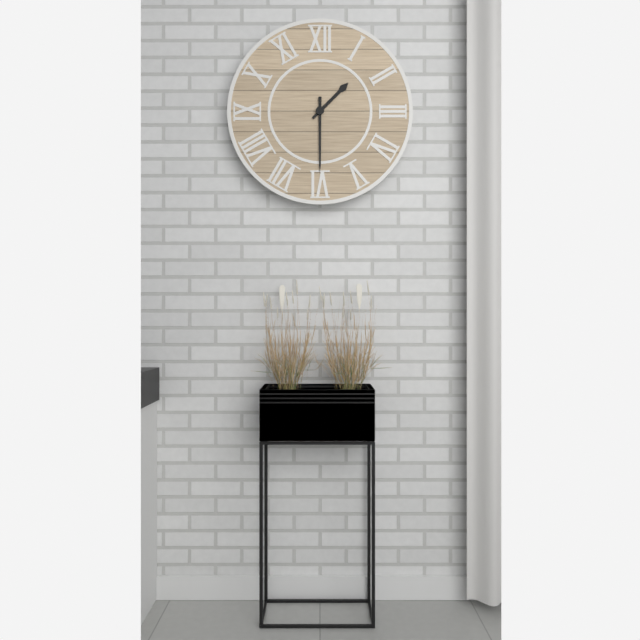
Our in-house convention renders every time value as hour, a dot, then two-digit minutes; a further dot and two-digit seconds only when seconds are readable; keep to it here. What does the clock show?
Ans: 1.30
